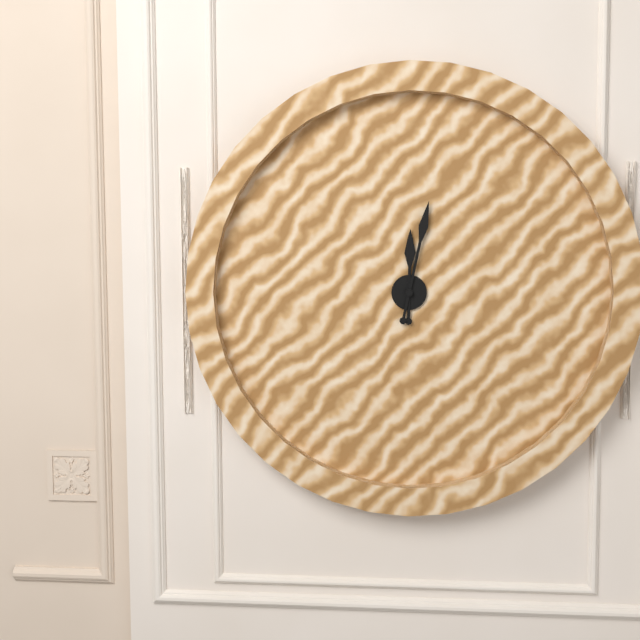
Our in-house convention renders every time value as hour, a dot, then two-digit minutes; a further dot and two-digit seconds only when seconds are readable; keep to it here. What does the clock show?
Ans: 12.02
